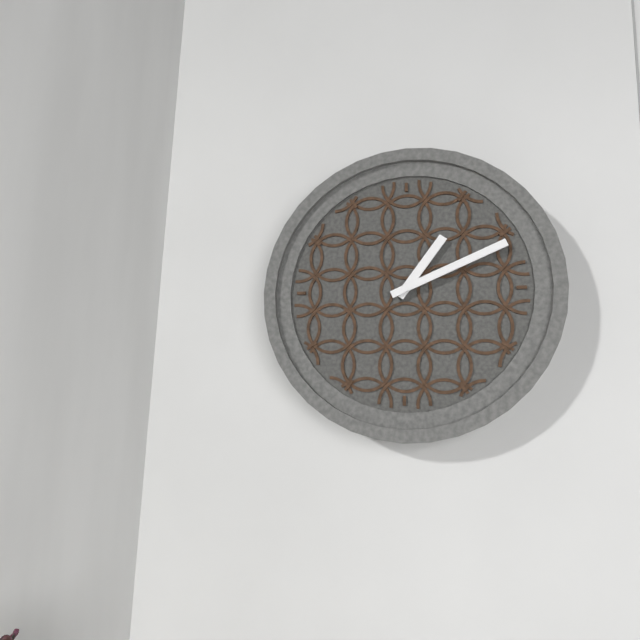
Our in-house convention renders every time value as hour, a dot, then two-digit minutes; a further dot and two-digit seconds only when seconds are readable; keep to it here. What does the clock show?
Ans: 1.11
